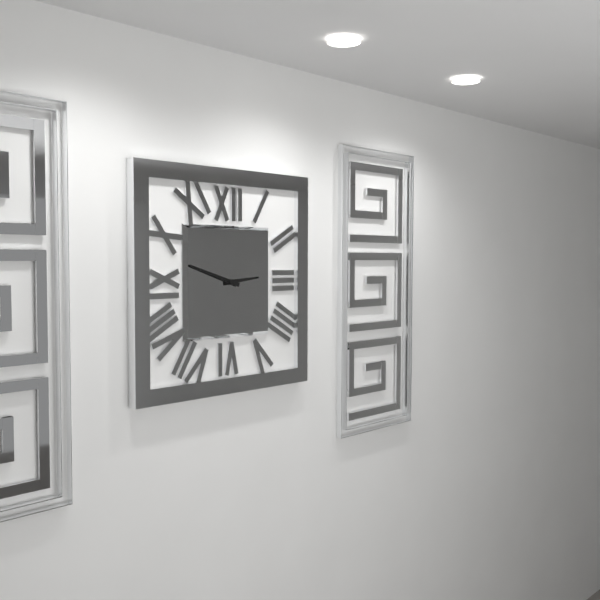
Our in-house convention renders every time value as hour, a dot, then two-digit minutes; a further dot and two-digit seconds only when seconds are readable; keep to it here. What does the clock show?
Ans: 2.48
